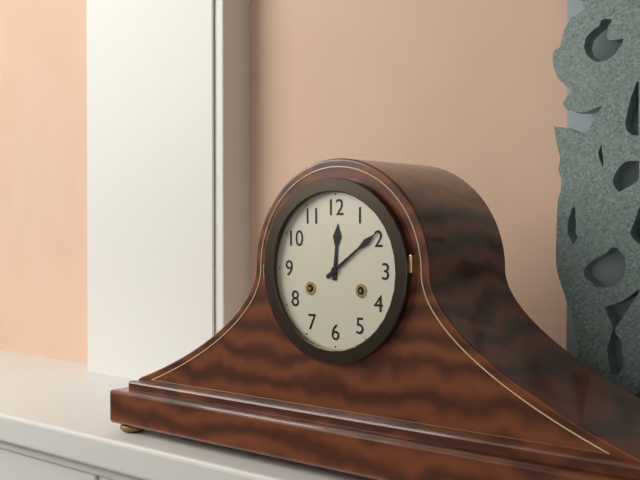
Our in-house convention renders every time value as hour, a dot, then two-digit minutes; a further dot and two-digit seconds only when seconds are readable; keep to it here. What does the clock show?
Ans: 12.09
